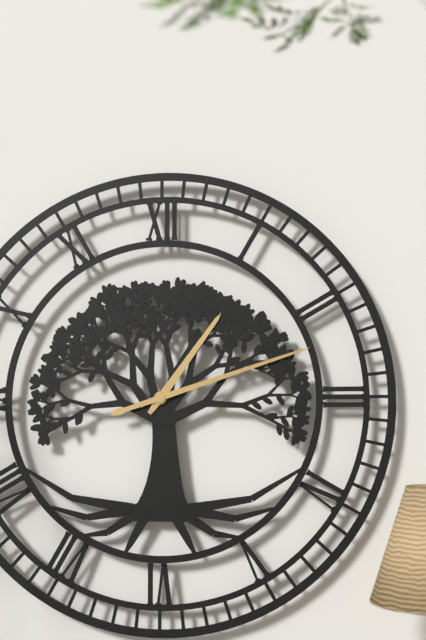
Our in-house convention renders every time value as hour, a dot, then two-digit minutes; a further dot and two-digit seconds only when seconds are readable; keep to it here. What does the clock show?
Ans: 1.12
